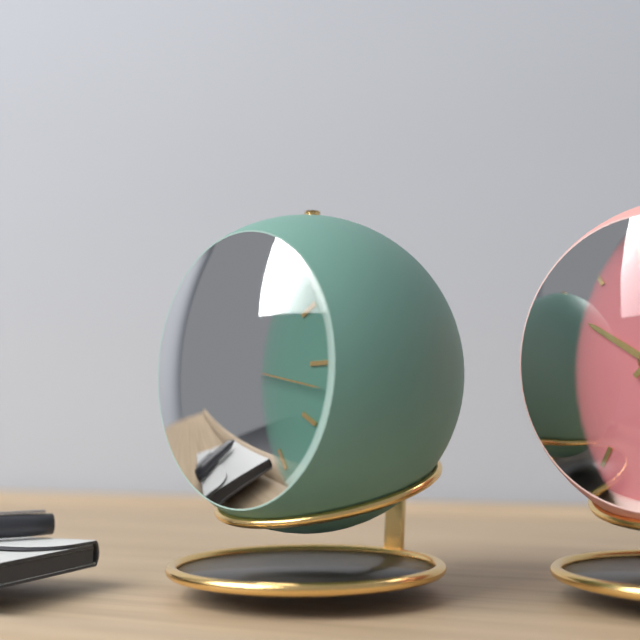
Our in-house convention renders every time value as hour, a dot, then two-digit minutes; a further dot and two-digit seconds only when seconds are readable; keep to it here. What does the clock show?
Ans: 9.02.17
